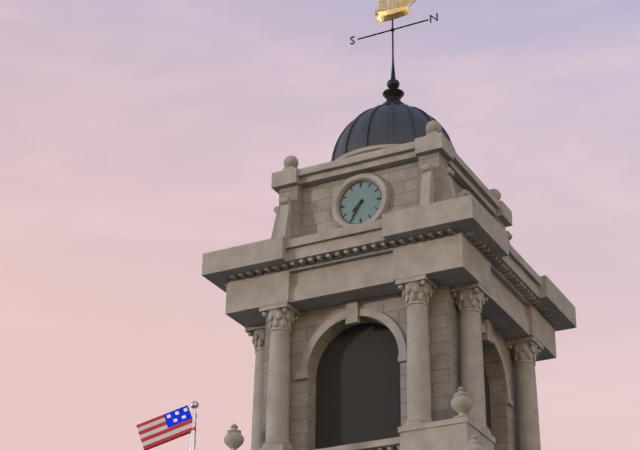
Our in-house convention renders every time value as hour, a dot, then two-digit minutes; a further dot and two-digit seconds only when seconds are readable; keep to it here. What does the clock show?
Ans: 7.35
